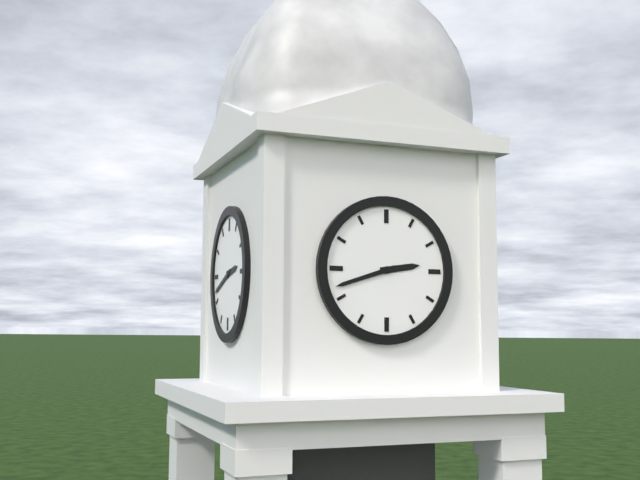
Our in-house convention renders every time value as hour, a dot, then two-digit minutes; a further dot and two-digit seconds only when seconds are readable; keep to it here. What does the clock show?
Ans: 2.42
